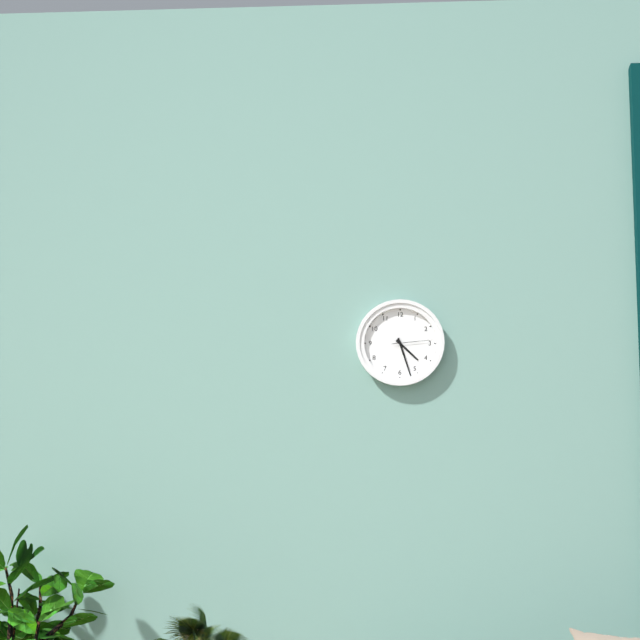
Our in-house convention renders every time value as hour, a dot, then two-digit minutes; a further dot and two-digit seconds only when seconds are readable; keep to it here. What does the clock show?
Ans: 4.27
